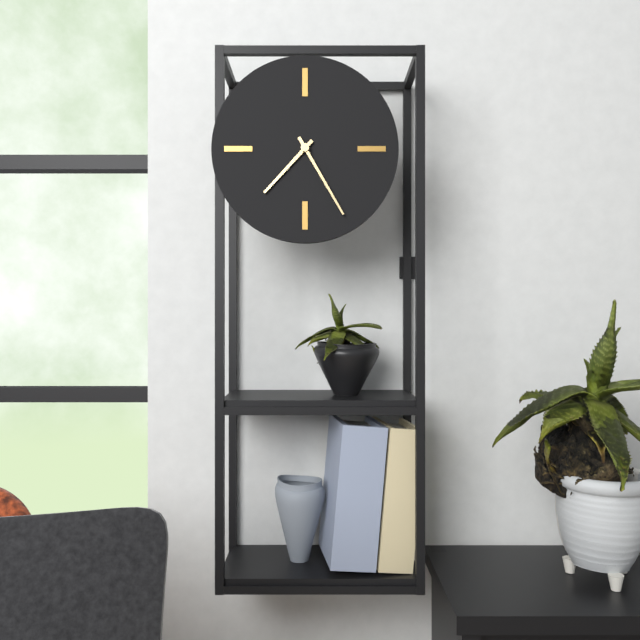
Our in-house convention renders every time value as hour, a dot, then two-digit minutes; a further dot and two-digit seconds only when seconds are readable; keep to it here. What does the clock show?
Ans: 7.25
